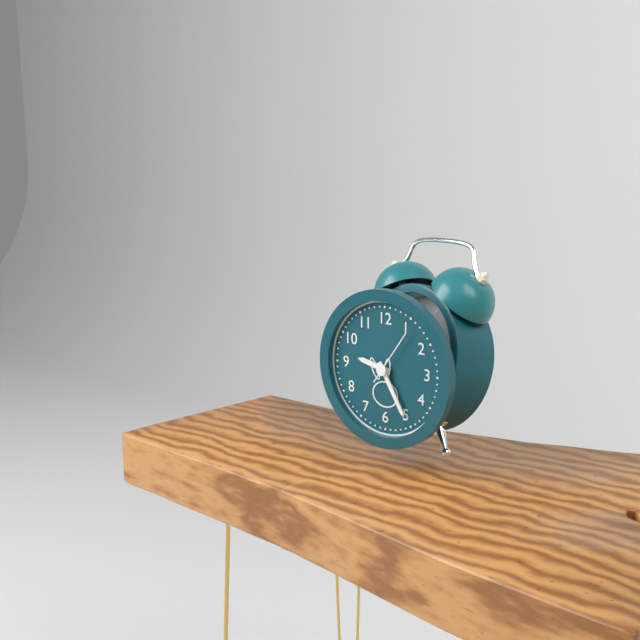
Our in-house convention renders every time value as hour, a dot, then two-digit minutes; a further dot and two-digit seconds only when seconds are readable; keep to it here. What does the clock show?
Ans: 9.25.06
